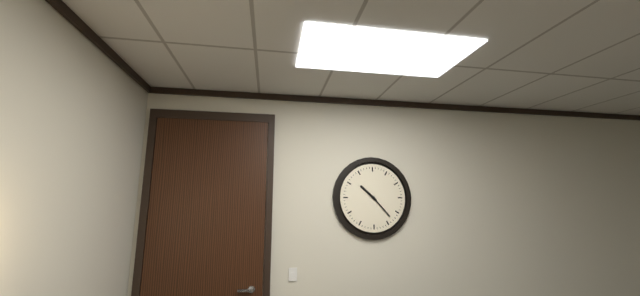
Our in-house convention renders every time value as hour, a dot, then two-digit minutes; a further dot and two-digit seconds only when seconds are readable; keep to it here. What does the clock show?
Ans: 10.23
